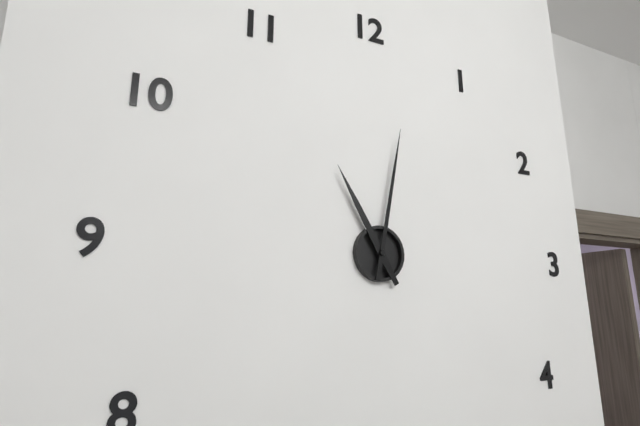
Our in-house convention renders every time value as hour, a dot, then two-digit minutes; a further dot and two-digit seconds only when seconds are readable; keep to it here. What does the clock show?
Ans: 11.02
